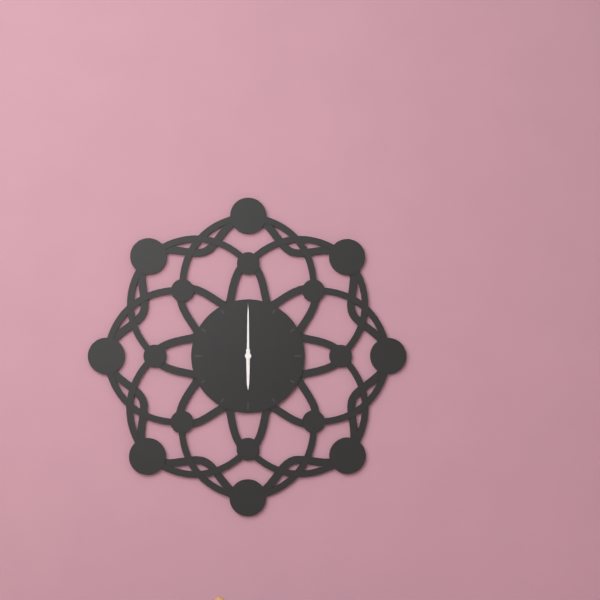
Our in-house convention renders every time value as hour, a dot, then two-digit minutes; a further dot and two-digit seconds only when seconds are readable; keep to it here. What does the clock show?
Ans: 6.00
